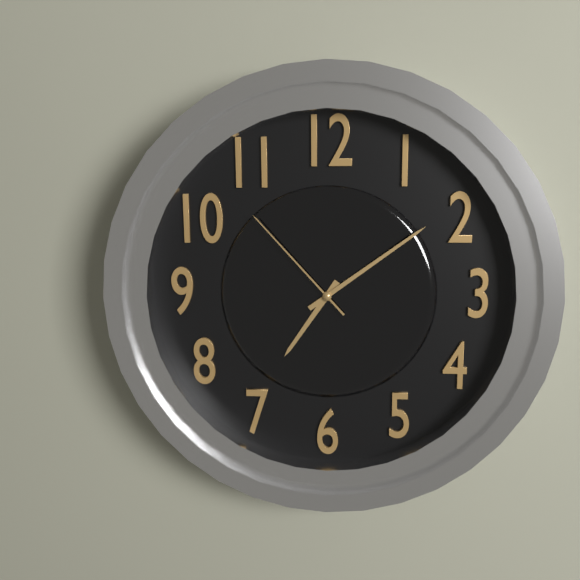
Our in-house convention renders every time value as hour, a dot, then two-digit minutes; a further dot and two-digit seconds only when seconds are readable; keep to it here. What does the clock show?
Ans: 7.09.53
